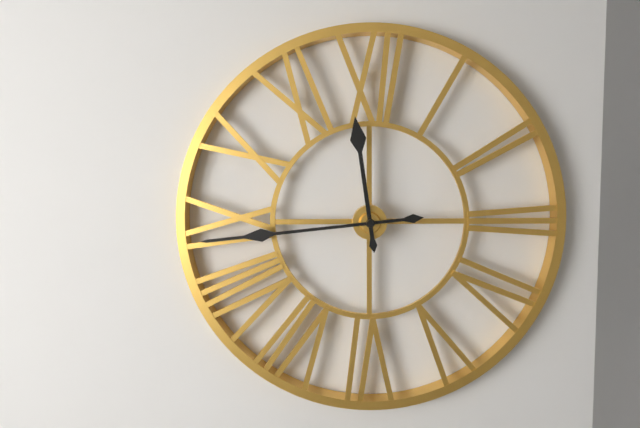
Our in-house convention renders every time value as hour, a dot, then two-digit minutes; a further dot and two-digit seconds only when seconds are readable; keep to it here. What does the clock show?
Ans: 11.44
